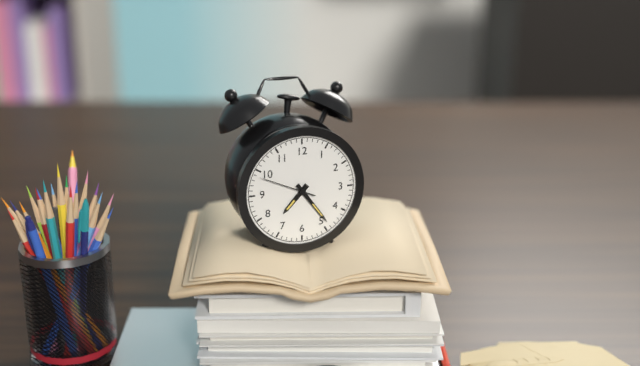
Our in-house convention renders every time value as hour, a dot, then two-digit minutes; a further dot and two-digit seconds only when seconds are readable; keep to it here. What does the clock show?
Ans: 7.24.49
